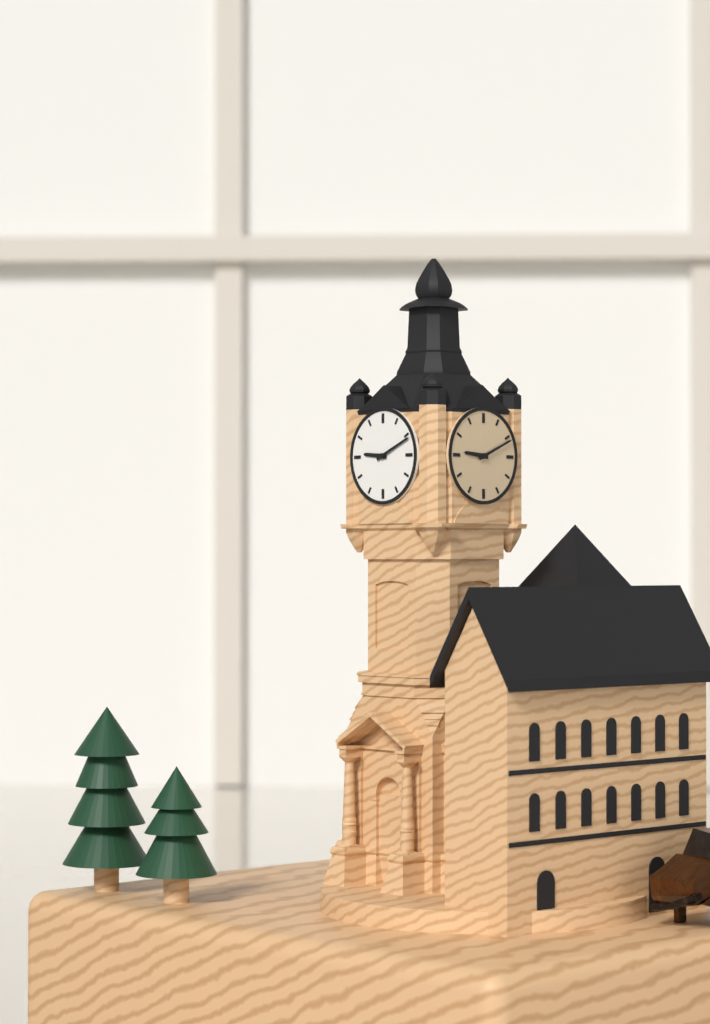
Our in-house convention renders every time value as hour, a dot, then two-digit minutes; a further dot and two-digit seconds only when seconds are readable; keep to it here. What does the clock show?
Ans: 9.11
